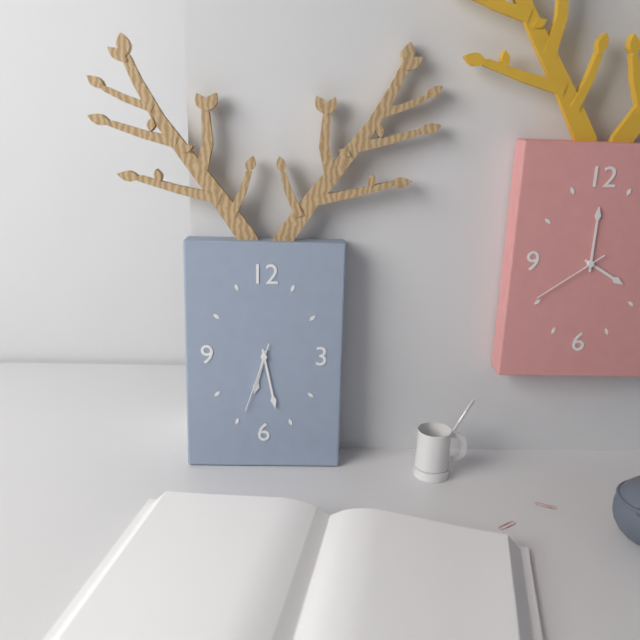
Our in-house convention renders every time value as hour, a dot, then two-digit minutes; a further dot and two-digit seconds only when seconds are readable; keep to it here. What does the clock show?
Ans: 6.28.33
